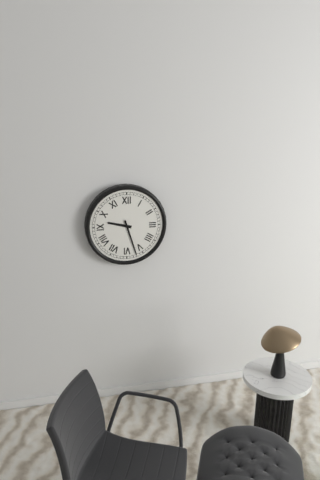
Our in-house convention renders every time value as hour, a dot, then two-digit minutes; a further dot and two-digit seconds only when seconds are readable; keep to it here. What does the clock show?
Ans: 9.27
